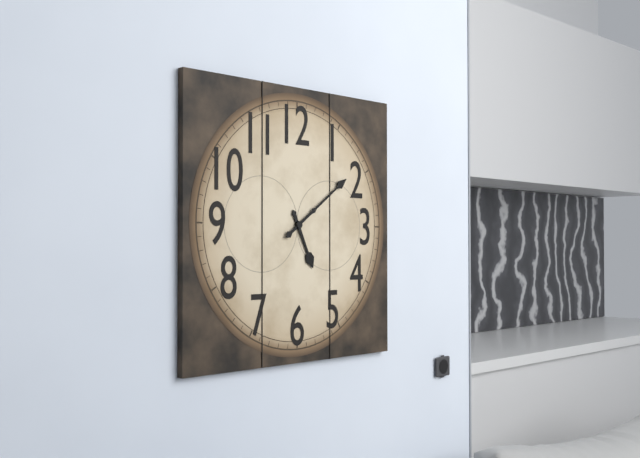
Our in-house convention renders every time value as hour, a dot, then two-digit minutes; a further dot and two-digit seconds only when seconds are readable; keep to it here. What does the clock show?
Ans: 5.09
